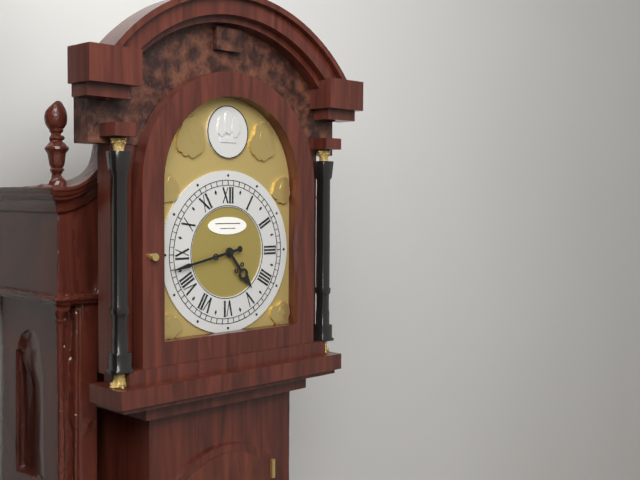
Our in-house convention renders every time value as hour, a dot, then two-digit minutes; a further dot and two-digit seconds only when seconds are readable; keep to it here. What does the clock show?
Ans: 4.43
